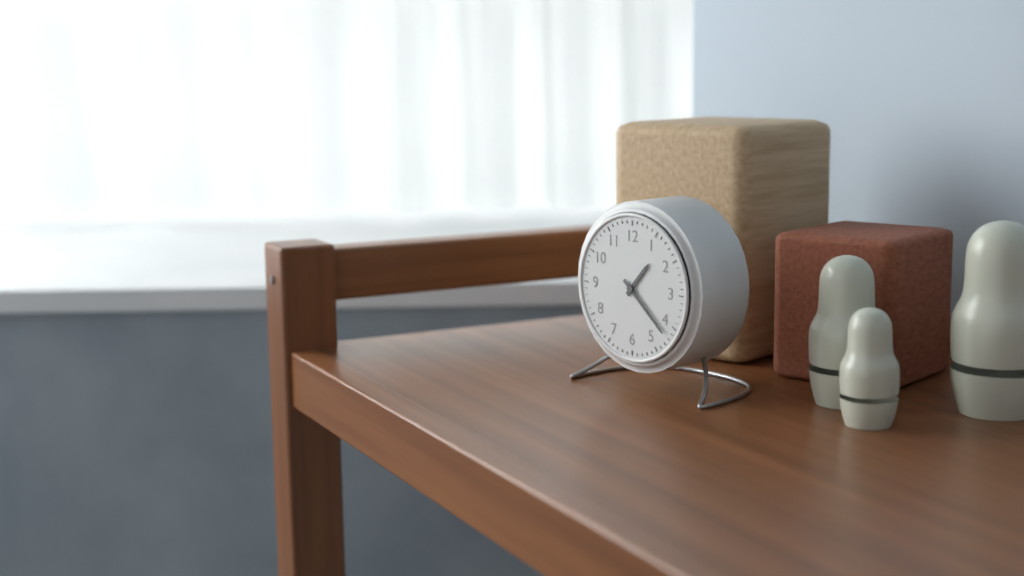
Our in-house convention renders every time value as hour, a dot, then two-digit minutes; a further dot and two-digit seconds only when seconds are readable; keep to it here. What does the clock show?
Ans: 1.22
